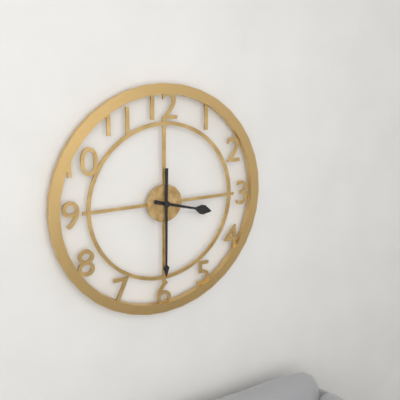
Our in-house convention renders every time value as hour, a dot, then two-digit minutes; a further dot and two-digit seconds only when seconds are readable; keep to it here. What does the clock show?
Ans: 3.30
